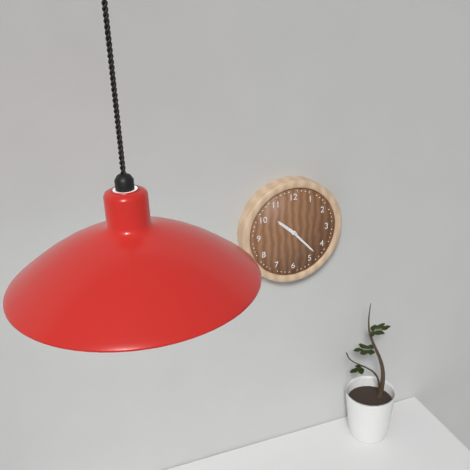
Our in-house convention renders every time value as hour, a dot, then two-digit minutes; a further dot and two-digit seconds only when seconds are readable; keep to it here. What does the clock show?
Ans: 10.23
